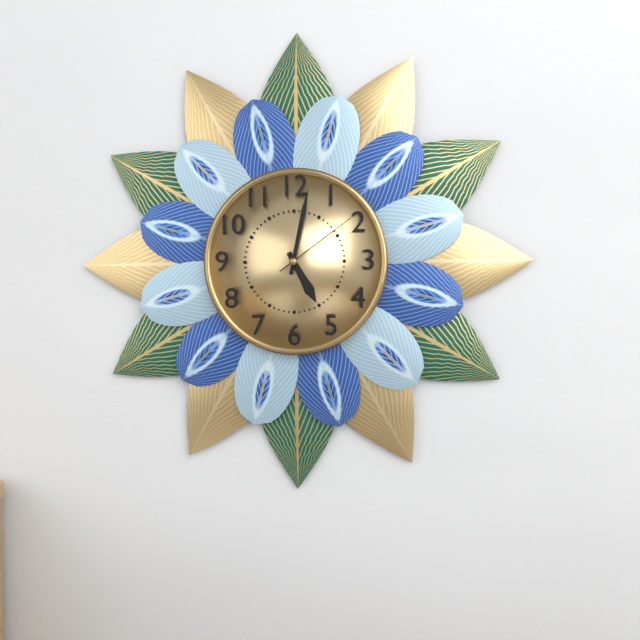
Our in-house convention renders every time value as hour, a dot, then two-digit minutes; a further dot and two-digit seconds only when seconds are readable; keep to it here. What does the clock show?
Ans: 5.02.09
